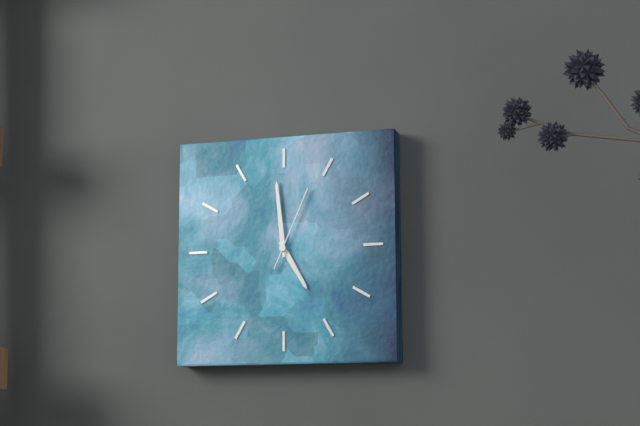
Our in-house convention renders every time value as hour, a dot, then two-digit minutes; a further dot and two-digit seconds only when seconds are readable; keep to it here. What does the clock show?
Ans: 4.59.04
